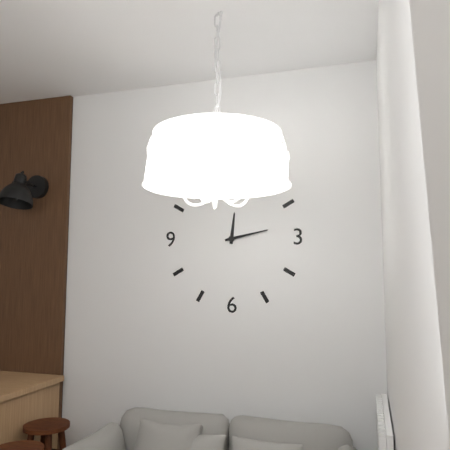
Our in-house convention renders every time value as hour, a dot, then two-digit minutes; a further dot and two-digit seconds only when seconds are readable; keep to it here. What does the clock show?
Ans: 12.13
